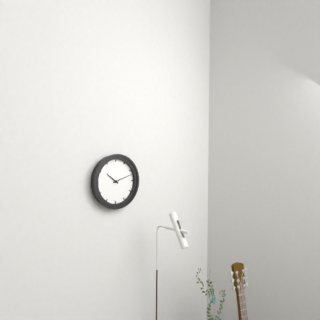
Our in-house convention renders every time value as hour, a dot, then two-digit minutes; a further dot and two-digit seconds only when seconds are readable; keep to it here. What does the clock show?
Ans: 10.12
